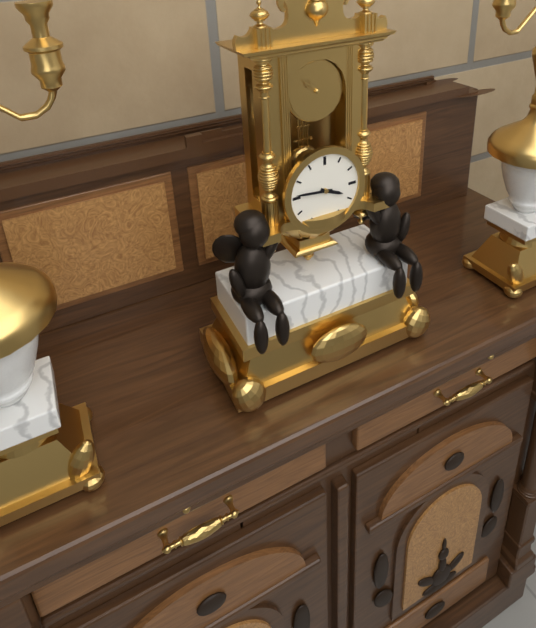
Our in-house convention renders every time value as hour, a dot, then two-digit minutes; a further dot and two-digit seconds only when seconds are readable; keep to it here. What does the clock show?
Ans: 3.46
